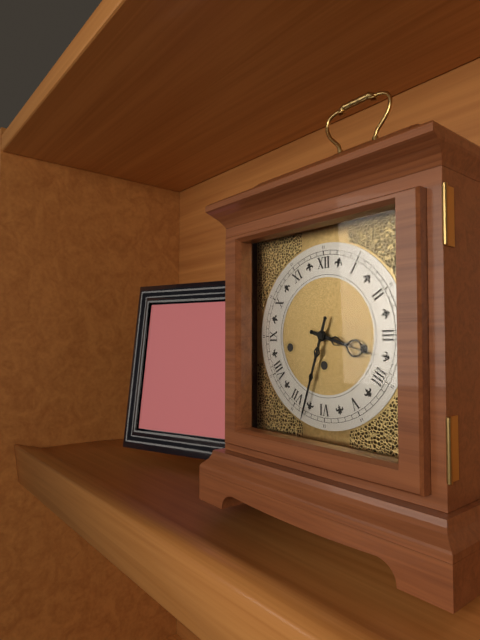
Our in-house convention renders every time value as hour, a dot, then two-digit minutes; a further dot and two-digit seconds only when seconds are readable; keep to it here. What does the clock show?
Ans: 3.33
